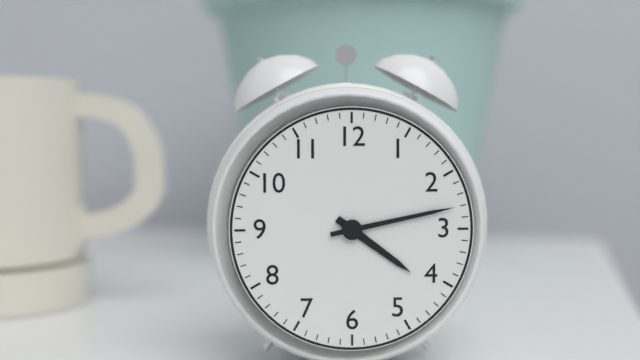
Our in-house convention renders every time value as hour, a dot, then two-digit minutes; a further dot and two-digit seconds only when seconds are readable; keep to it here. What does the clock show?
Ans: 4.13
